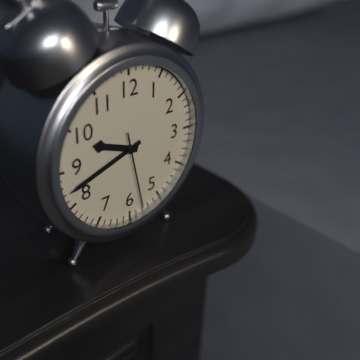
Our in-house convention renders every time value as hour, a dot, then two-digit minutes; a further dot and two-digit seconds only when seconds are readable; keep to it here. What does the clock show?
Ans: 9.42.28
